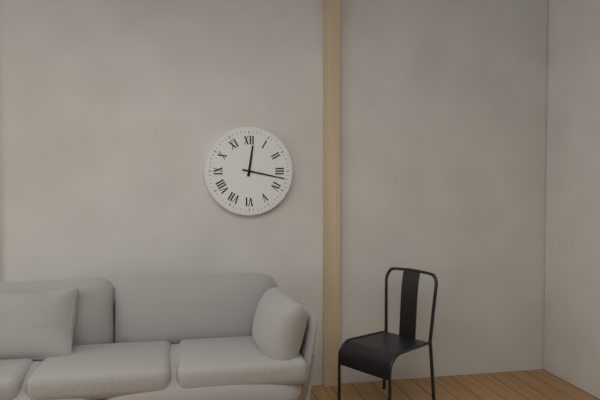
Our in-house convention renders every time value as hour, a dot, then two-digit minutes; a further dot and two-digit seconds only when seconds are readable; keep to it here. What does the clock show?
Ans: 12.17
